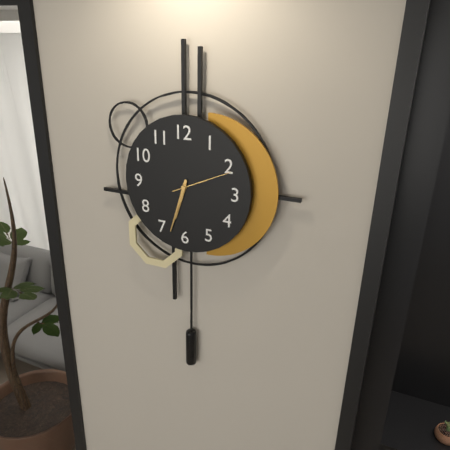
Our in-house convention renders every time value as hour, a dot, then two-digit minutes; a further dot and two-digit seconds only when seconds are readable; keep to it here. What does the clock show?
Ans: 6.33.11
